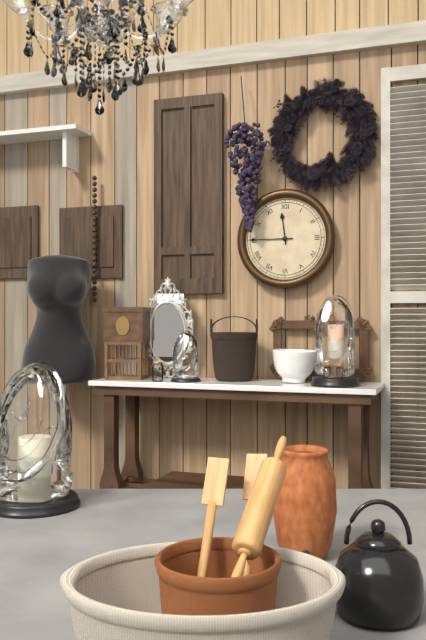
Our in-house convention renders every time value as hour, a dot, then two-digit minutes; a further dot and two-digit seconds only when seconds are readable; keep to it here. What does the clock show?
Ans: 11.45
